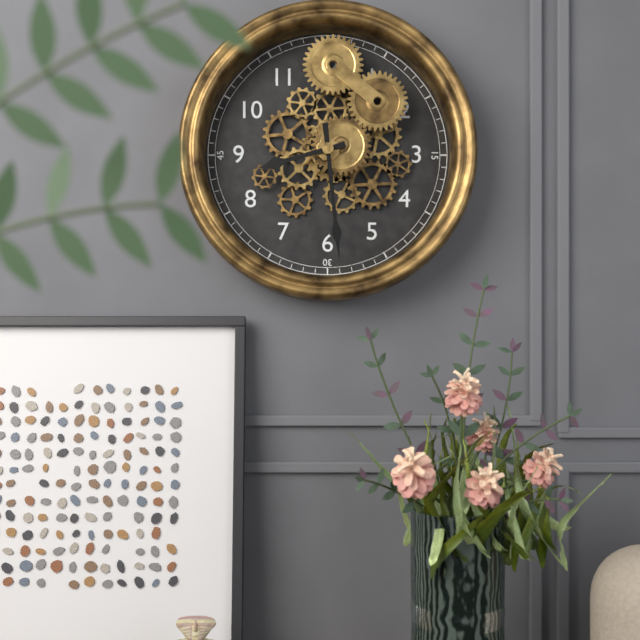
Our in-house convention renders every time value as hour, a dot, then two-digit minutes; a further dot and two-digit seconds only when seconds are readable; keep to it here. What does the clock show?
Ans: 8.29
